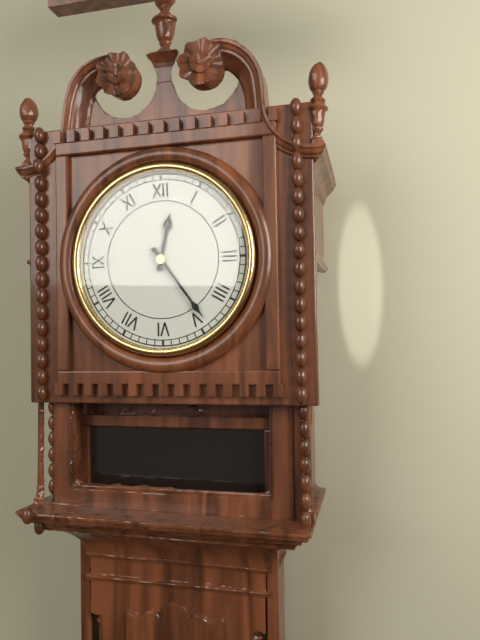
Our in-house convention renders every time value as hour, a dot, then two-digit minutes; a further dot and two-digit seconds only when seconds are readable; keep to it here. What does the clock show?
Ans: 12.24
